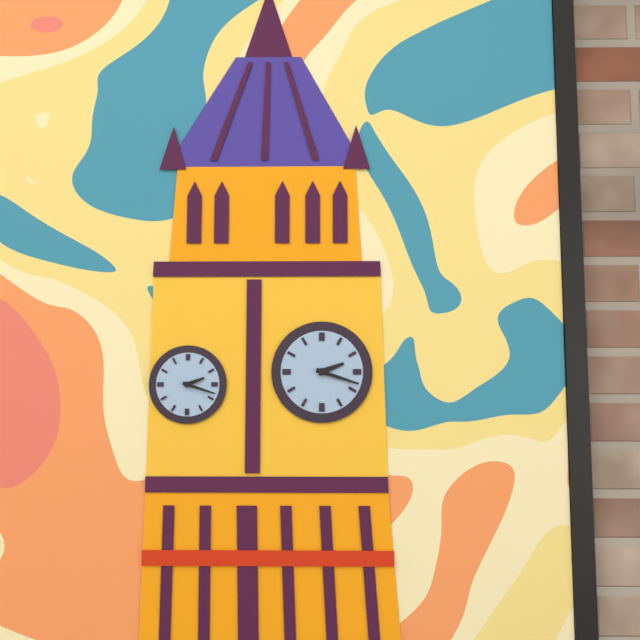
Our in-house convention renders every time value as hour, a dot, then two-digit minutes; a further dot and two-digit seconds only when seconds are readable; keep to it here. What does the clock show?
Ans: 2.18
